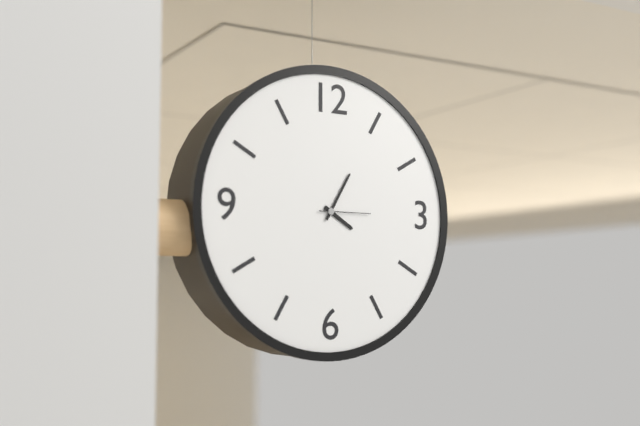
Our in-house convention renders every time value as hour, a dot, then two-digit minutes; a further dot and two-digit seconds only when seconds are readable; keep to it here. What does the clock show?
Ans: 4.05.15
